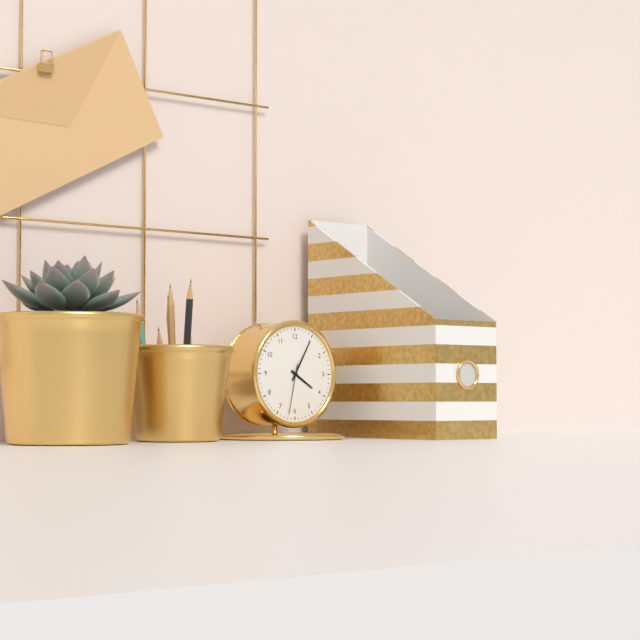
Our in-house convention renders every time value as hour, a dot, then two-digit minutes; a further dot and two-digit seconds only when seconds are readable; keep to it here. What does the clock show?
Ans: 4.05.32
